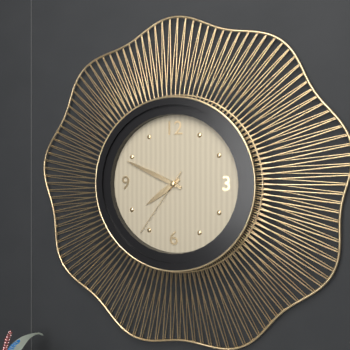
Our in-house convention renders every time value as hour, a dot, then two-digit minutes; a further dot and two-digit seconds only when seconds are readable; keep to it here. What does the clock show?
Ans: 7.49.36
